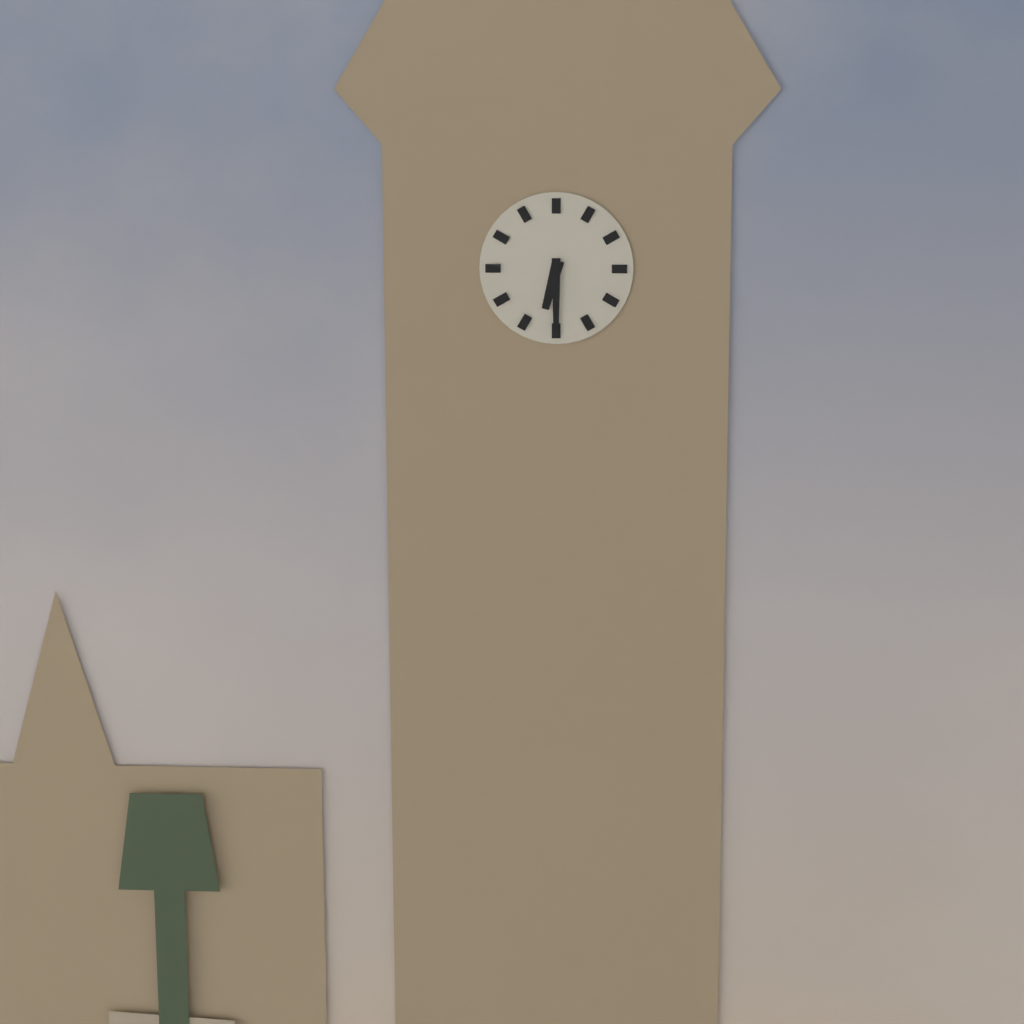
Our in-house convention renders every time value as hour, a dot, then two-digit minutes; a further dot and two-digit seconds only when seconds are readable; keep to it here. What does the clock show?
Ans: 6.30
